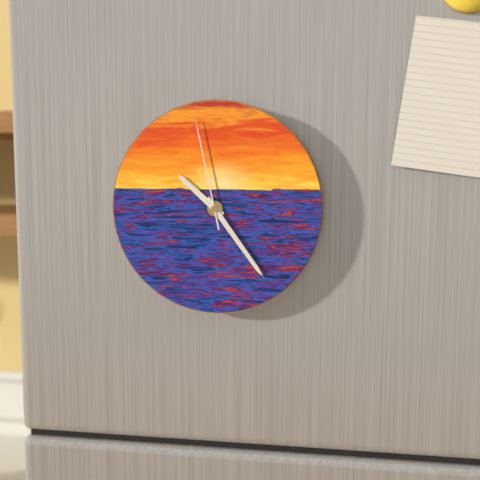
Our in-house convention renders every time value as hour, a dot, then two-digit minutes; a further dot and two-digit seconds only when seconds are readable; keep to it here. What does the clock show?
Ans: 10.24.58
